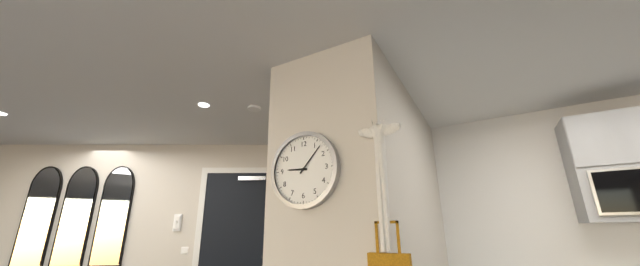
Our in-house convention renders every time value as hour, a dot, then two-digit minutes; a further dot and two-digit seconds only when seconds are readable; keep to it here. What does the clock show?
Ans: 9.07
